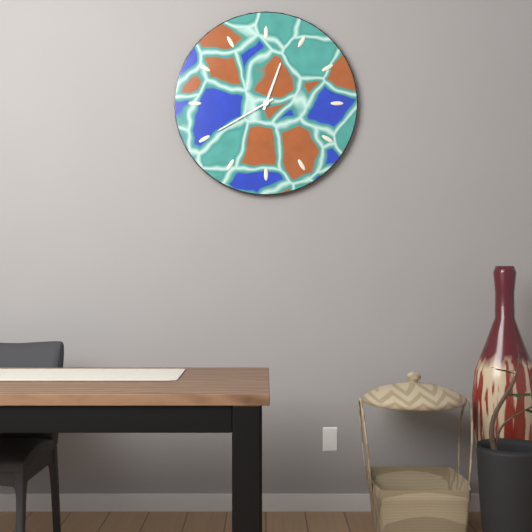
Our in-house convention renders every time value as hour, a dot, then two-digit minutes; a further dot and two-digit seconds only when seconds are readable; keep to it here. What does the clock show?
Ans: 12.40
